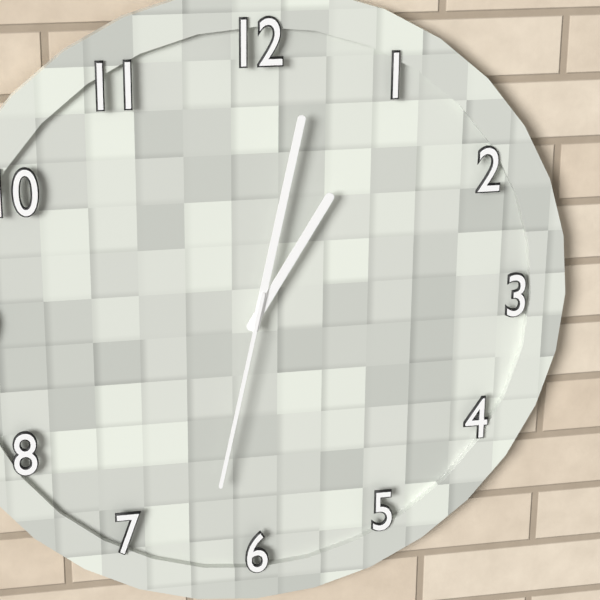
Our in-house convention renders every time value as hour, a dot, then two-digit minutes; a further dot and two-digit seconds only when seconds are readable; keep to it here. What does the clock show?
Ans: 1.02.32
